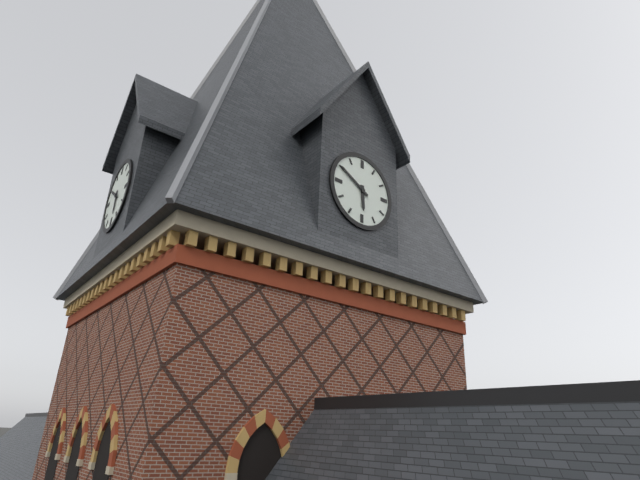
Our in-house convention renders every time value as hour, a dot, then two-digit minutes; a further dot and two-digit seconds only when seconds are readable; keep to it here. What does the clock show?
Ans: 5.50
